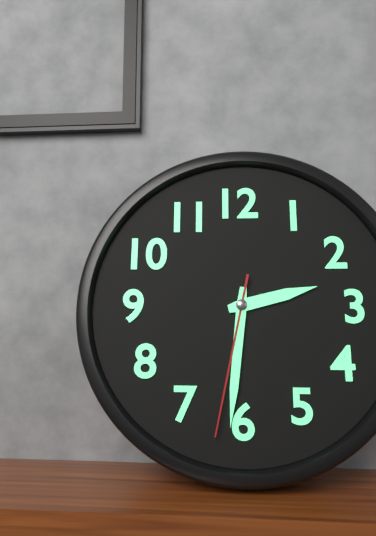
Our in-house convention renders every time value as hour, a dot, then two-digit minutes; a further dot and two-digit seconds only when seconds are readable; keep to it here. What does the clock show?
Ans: 2.31.32
